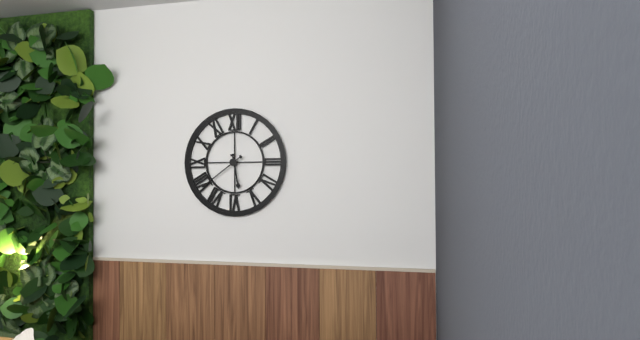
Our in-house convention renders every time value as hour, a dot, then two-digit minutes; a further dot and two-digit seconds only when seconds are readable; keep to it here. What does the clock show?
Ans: 5.39
